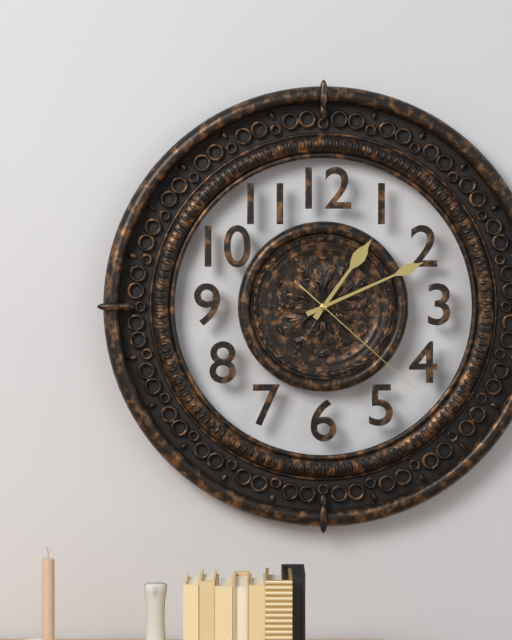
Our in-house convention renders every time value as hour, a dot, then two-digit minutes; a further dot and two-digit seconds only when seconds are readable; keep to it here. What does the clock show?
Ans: 1.11.22
